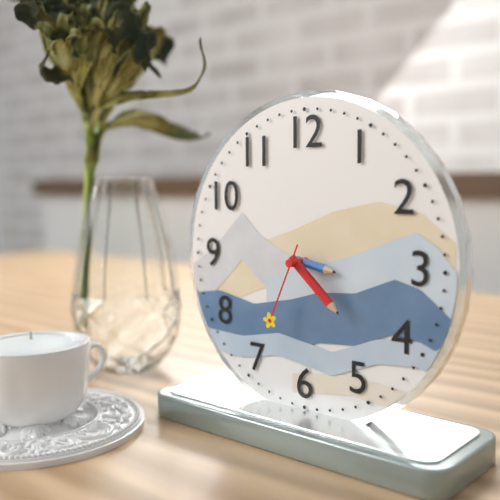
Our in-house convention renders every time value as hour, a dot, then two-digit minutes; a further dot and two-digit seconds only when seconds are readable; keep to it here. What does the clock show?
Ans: 3.22.34
